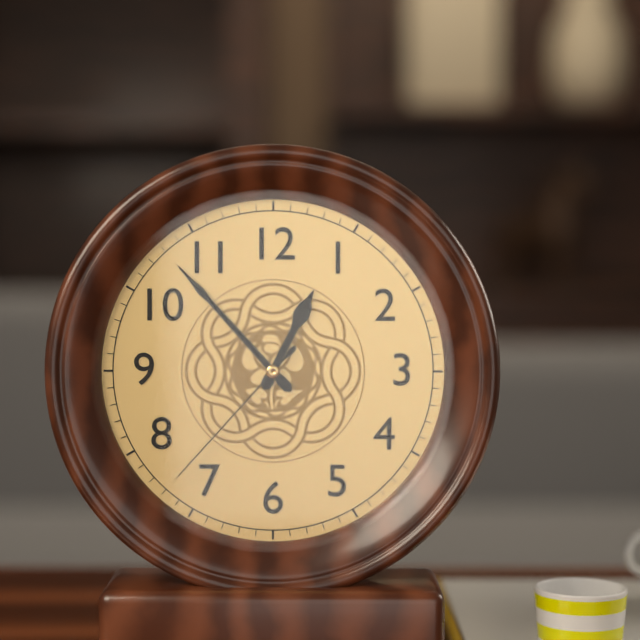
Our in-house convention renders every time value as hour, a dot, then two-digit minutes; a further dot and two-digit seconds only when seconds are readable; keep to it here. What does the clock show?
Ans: 12.53.37
